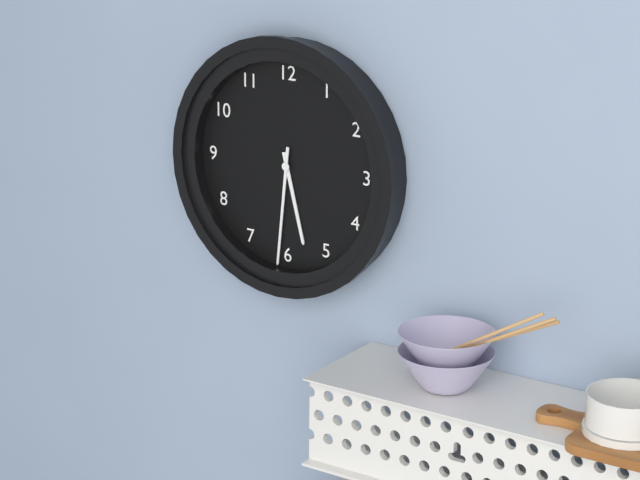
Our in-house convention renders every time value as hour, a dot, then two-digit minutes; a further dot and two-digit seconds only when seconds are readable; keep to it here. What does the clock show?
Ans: 5.31
